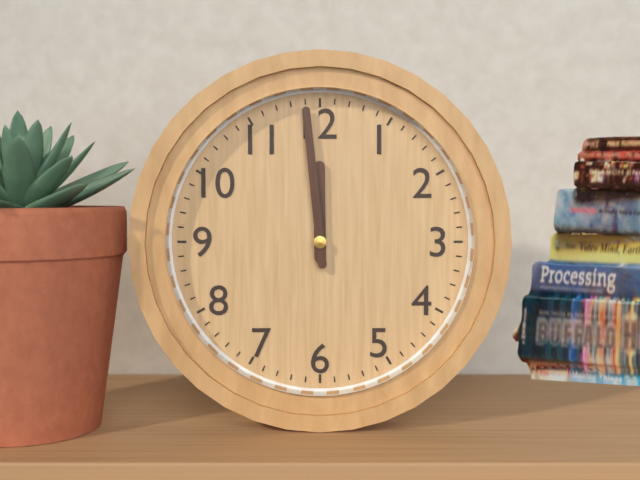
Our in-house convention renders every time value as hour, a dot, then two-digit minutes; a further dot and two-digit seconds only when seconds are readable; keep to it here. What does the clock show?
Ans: 11.59
